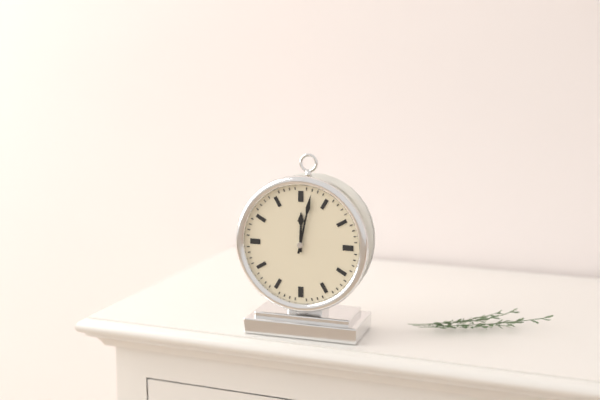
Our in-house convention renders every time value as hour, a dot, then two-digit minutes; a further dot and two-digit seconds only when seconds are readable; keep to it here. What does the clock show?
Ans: 12.02
